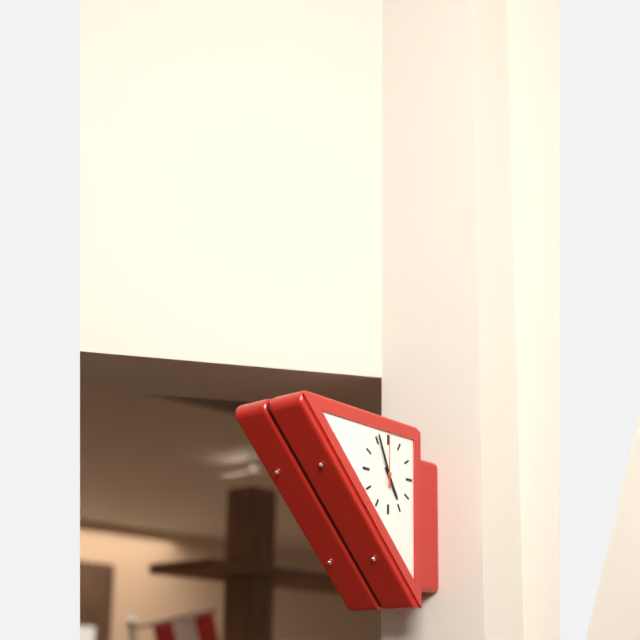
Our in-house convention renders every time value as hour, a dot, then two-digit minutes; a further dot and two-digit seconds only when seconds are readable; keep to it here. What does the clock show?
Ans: 4.56.00
